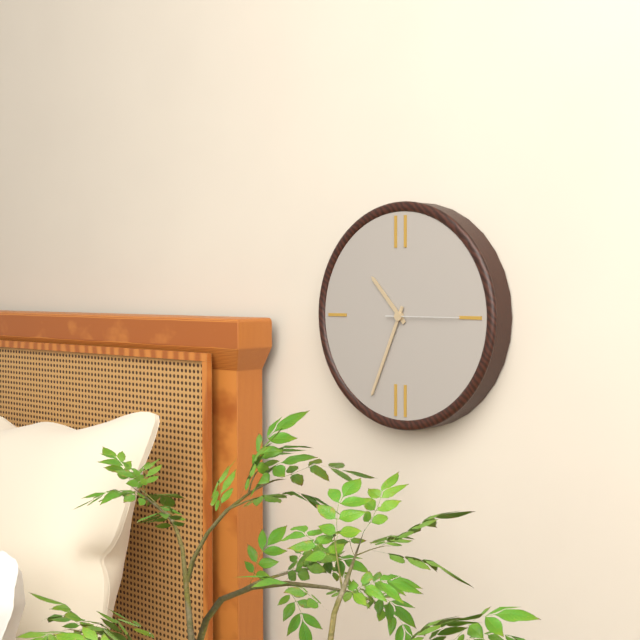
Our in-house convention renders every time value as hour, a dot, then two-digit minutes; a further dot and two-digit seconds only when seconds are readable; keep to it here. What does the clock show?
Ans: 10.34.15
